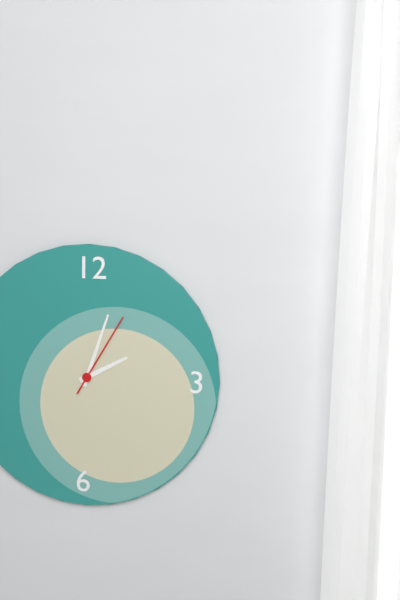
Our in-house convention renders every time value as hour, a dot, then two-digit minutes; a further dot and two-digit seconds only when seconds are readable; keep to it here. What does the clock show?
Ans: 2.03.05
